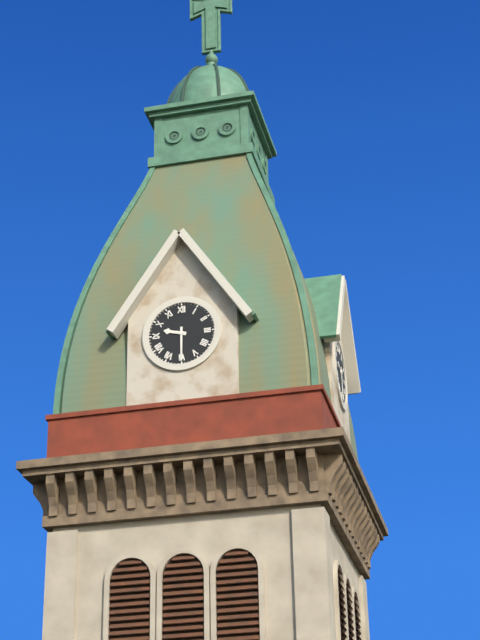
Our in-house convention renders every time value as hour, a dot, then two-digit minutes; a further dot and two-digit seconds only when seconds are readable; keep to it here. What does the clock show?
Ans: 9.30
